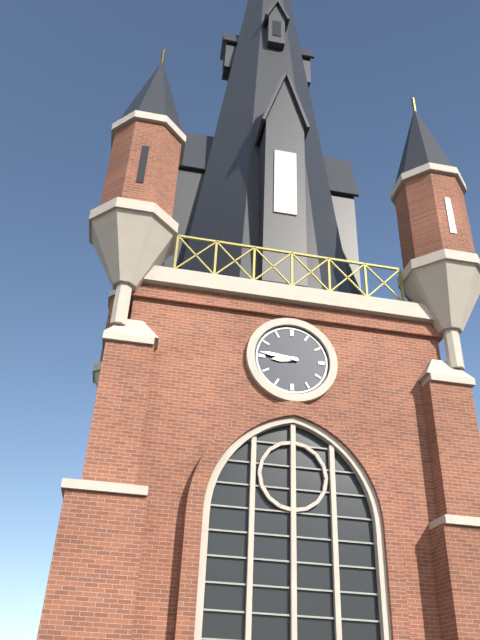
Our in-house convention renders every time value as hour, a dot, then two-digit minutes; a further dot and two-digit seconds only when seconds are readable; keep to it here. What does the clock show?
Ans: 8.46
